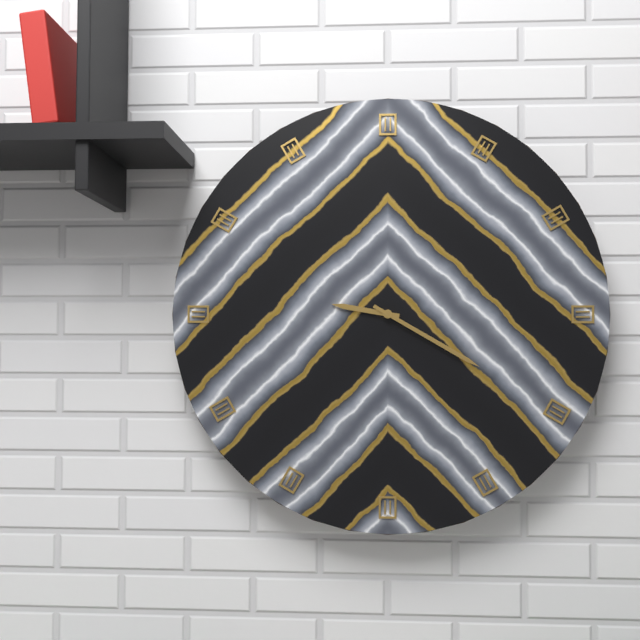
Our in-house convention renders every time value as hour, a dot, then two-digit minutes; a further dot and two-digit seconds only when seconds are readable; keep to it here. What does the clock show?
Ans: 9.20
